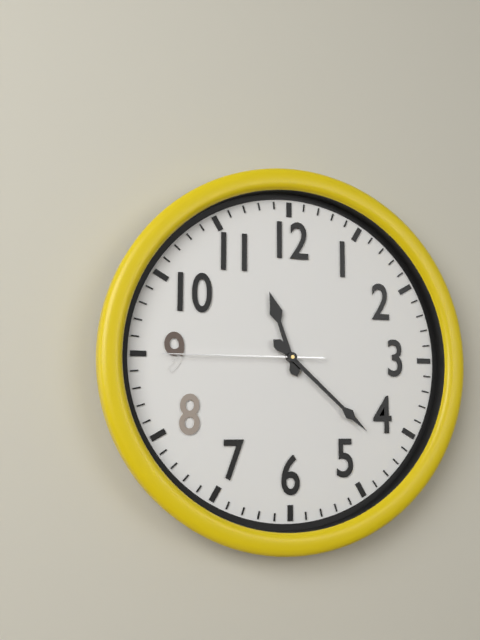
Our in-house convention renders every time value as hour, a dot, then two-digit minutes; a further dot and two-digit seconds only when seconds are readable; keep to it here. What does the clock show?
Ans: 11.22.45
